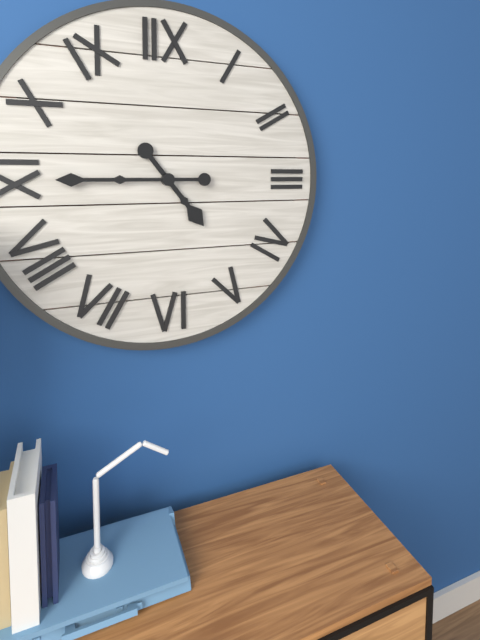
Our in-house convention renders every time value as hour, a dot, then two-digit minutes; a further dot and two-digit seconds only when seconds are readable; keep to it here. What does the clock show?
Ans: 4.45
